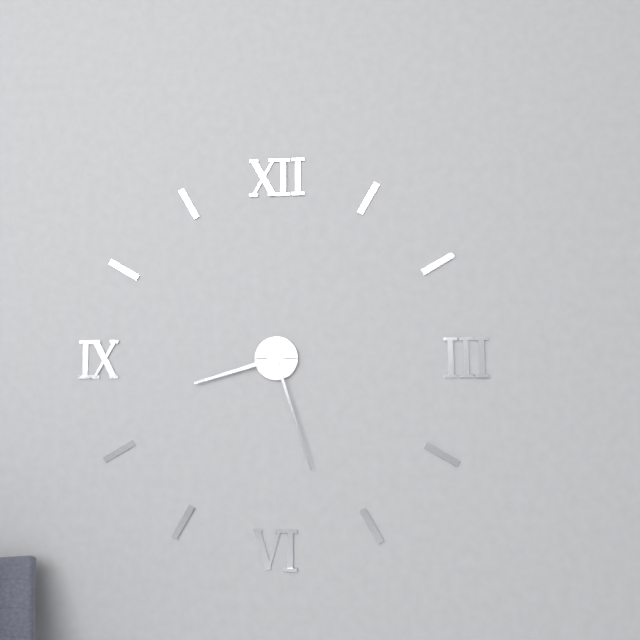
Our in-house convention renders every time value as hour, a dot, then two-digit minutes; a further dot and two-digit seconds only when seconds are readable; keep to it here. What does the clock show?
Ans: 8.27
